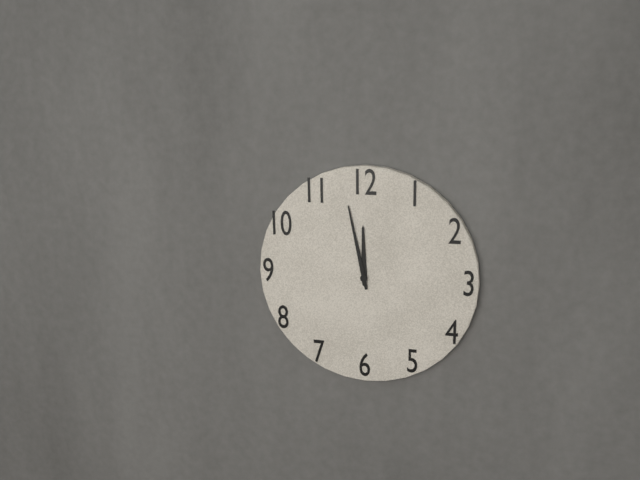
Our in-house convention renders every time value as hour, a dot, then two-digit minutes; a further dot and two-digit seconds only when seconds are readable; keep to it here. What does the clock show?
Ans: 11.58
